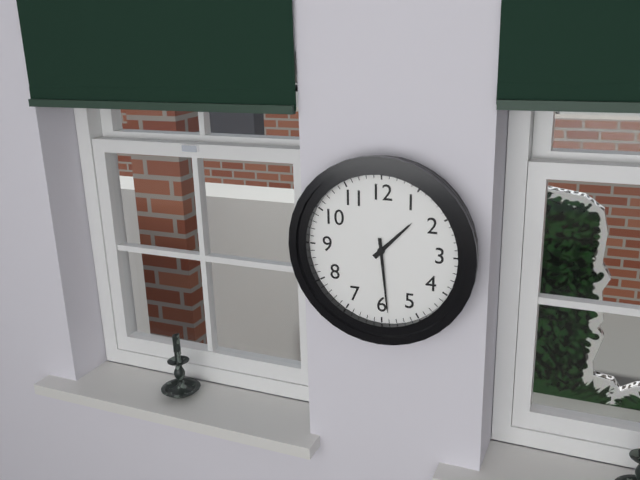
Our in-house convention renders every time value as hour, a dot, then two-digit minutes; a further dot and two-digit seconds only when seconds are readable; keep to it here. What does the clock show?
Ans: 1.29
